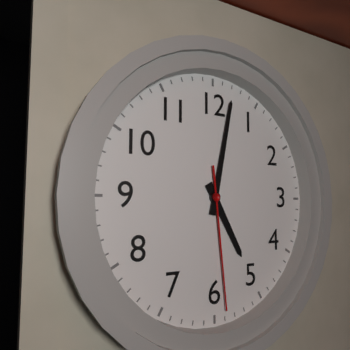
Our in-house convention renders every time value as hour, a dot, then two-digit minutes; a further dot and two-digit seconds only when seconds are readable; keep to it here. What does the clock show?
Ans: 5.02.29
